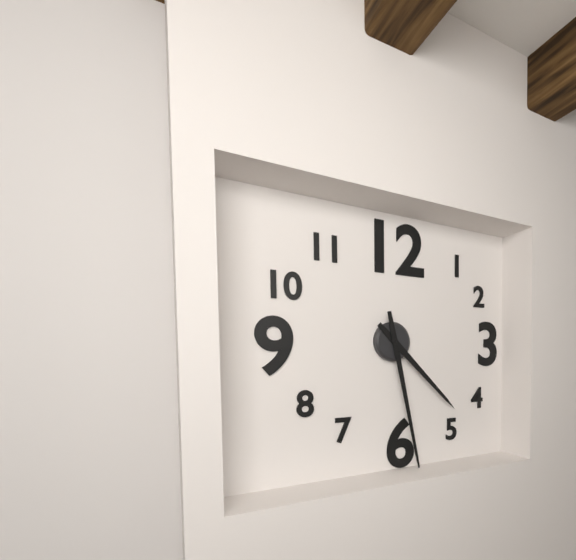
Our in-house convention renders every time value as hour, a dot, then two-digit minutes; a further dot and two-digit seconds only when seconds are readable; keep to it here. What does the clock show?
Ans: 4.28
